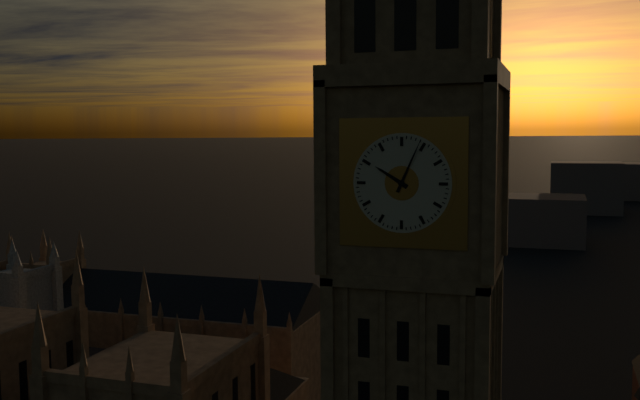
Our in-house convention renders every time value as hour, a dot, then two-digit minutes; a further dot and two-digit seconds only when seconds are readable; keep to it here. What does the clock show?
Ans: 10.04
